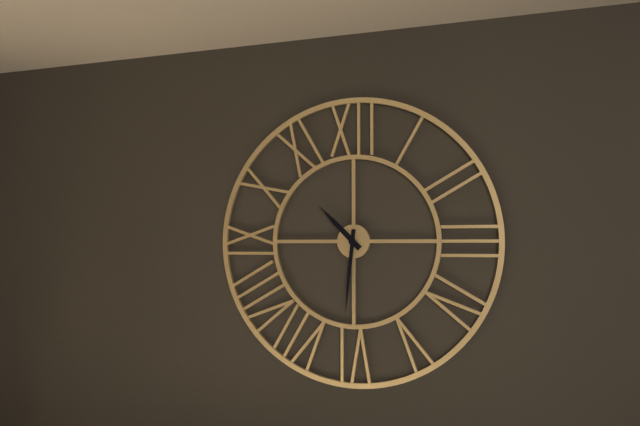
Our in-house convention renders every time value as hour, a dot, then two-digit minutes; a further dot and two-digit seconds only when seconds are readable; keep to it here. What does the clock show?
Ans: 10.31
